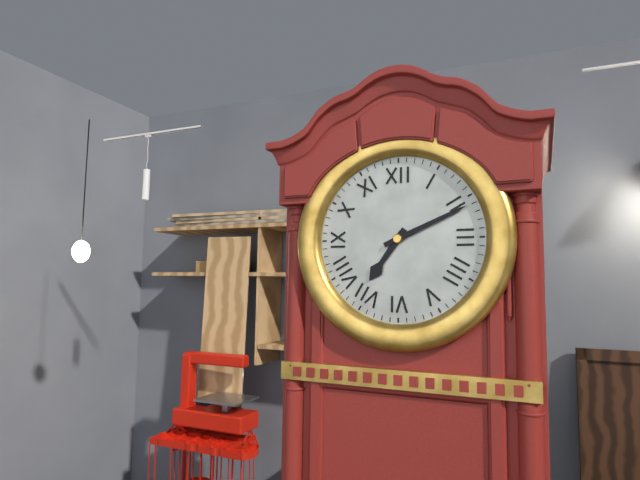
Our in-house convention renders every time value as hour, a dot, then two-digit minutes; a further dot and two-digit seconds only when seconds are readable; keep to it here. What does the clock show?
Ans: 7.11
